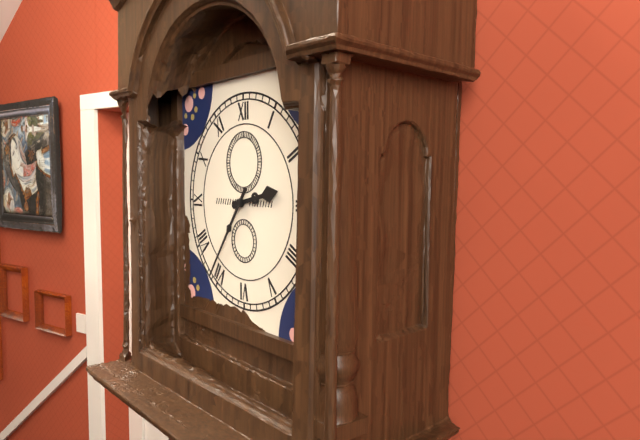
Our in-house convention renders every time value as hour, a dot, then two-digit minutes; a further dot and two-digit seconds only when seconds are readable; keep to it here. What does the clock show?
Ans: 2.36
